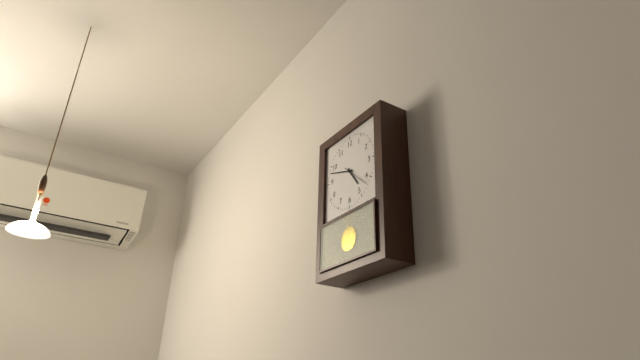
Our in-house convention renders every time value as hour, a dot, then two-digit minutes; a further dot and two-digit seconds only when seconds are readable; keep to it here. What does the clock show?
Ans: 4.48
